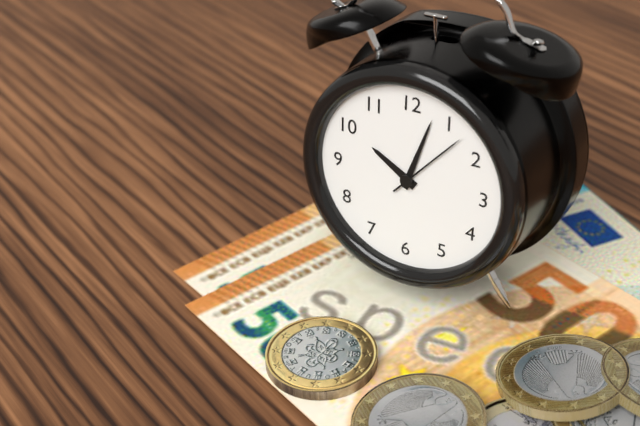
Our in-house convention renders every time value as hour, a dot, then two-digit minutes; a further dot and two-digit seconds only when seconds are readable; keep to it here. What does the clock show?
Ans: 10.03.07
